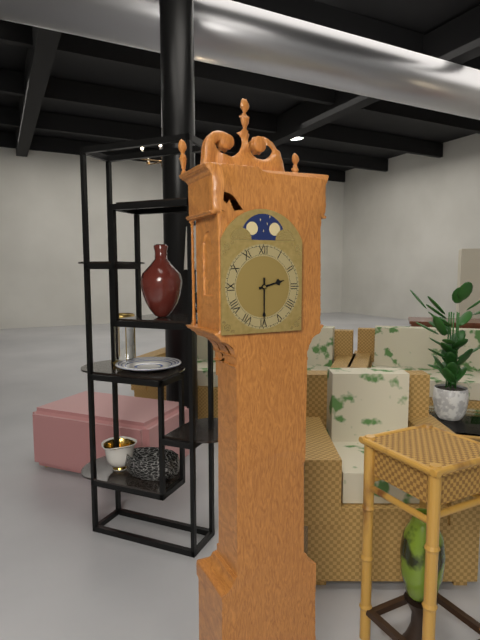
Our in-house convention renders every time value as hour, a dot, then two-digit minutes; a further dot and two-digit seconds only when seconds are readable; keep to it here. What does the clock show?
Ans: 2.30
